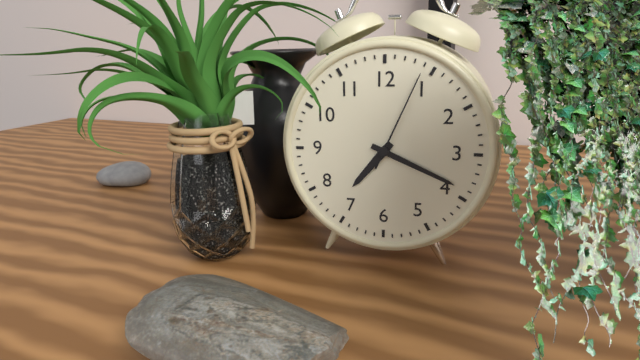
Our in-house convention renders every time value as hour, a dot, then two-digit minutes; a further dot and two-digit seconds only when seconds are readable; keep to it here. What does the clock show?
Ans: 7.19.04
